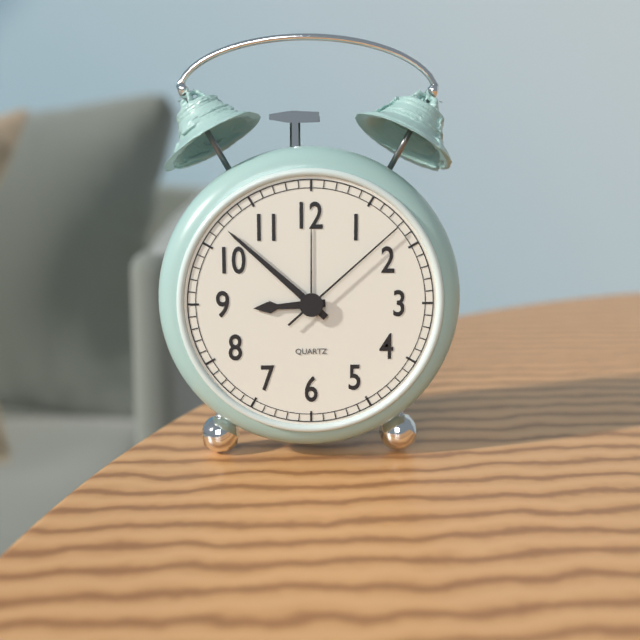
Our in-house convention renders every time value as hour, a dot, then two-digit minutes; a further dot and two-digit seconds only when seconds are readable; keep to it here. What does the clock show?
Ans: 8.52.08
